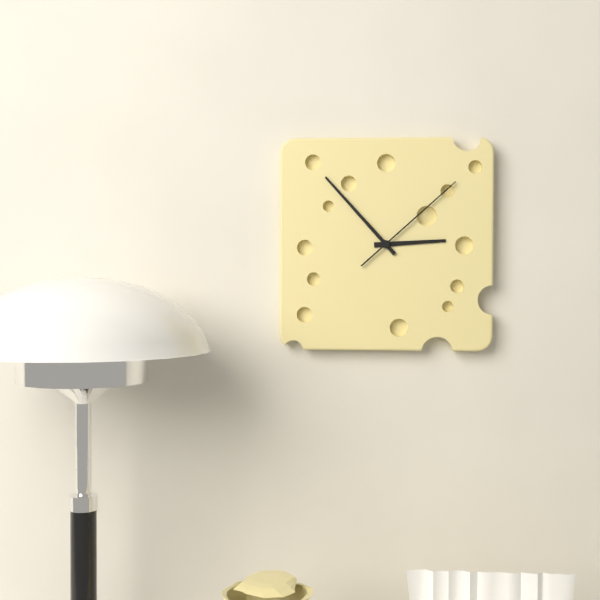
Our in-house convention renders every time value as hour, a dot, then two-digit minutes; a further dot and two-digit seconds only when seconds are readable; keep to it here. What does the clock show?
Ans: 2.53.08
